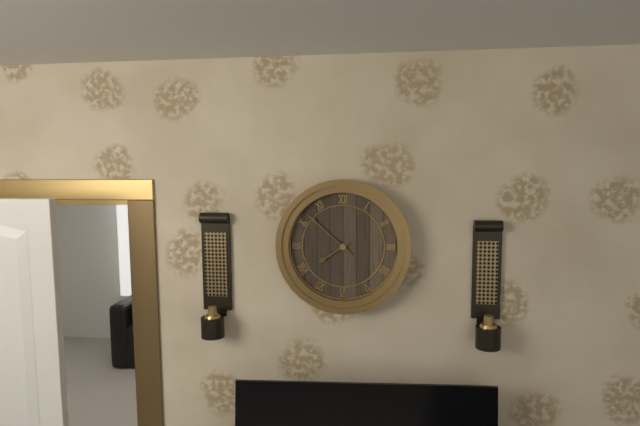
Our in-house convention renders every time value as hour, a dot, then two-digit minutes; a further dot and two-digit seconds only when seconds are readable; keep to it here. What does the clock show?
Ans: 7.52
